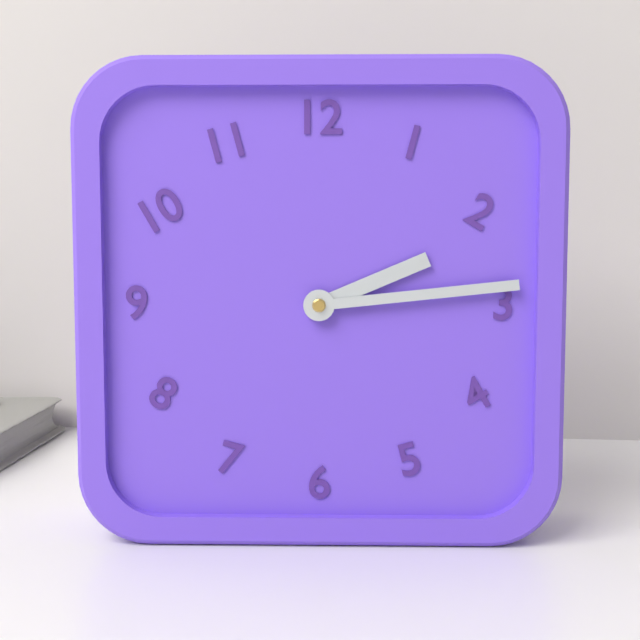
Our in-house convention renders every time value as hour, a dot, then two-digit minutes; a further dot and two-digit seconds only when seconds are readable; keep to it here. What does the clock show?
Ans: 2.14
